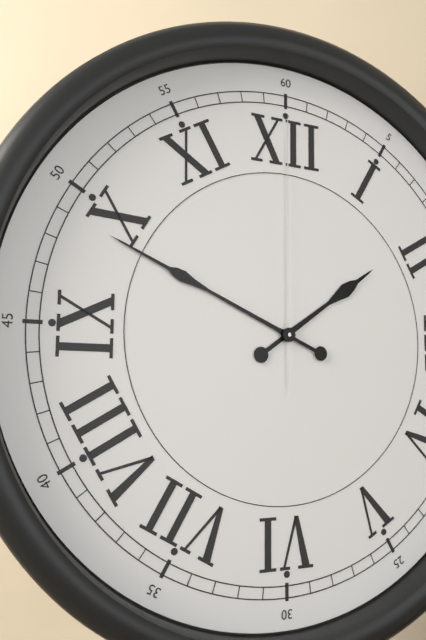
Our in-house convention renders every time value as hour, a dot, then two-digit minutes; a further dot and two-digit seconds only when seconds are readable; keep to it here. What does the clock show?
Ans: 1.49.00
